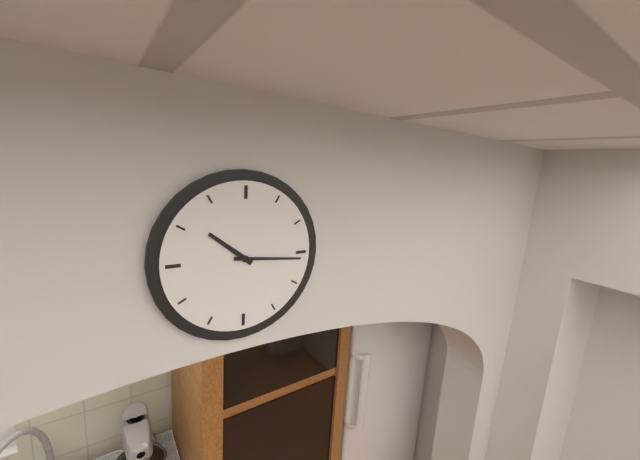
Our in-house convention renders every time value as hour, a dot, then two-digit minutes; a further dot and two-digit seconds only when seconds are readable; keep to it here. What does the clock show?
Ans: 10.16
